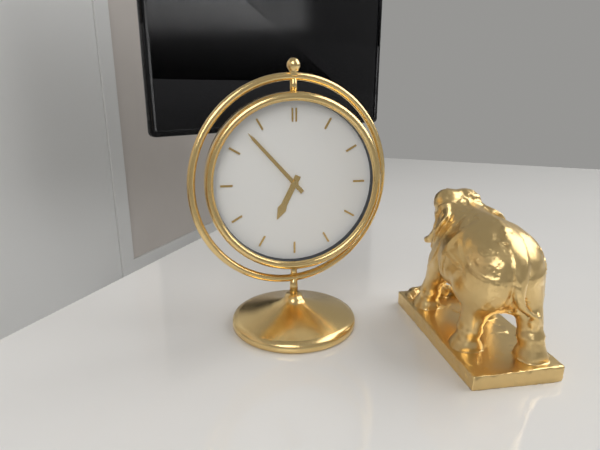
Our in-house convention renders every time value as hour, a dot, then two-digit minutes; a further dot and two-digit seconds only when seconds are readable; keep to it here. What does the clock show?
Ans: 6.53
